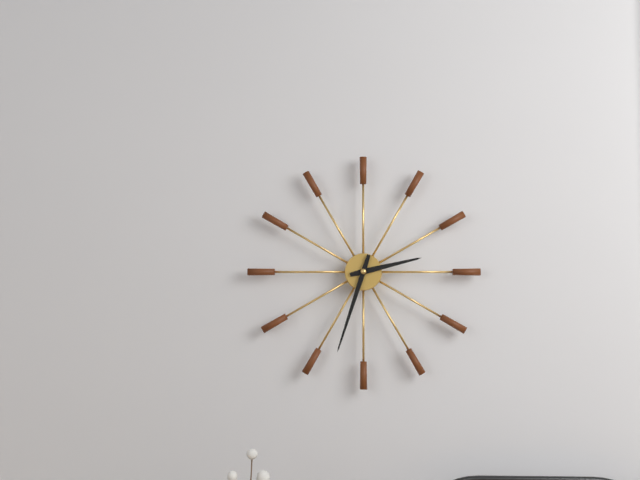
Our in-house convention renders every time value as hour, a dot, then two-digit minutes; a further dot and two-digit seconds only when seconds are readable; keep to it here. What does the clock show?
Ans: 2.33
